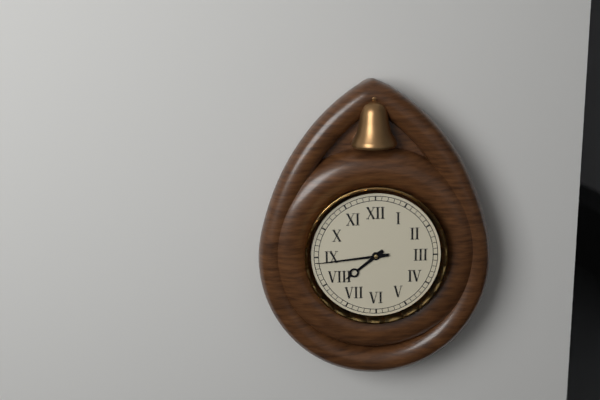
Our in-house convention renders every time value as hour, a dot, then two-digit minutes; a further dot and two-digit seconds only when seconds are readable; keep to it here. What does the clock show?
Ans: 7.44
